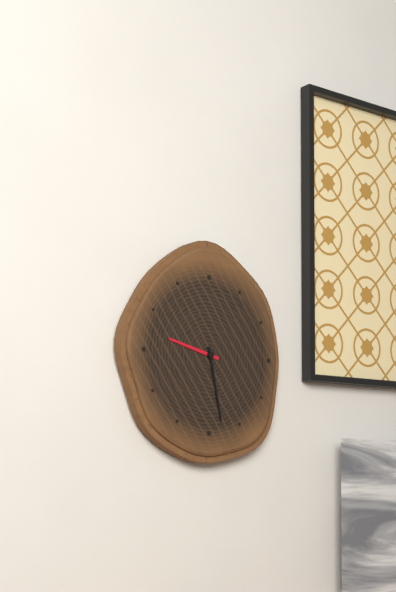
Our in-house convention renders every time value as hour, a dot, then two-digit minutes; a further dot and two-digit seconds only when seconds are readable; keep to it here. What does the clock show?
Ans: 9.28
